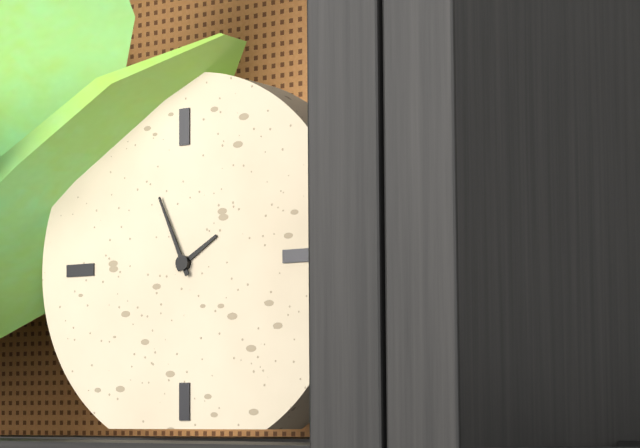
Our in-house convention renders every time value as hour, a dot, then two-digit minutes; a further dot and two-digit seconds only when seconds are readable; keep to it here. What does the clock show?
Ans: 1.56
